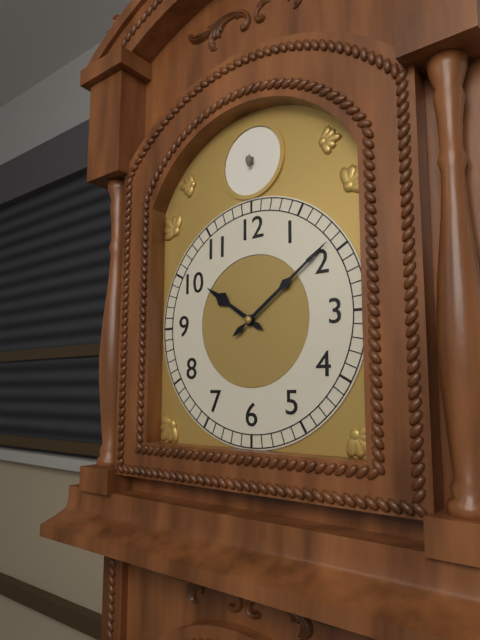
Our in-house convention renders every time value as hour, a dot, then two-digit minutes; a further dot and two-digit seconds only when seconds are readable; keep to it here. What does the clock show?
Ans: 10.09
